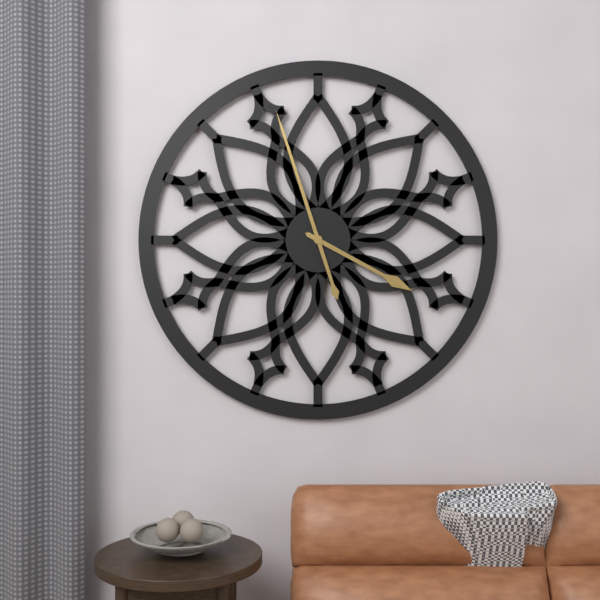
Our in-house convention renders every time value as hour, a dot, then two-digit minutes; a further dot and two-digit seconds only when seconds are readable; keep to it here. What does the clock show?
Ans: 3.57
